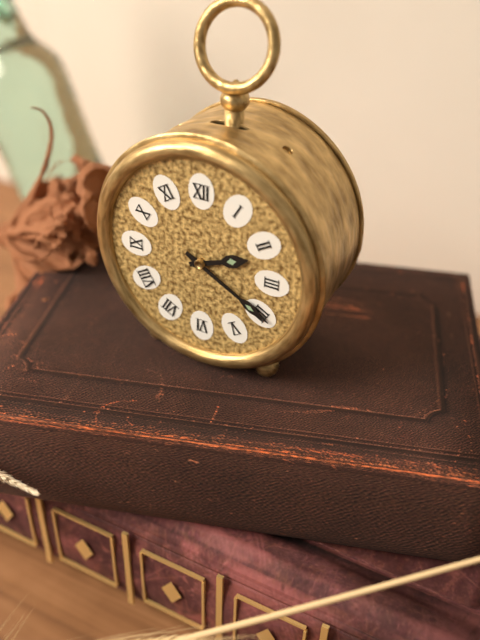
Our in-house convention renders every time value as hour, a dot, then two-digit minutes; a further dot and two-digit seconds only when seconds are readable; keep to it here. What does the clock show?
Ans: 2.20
